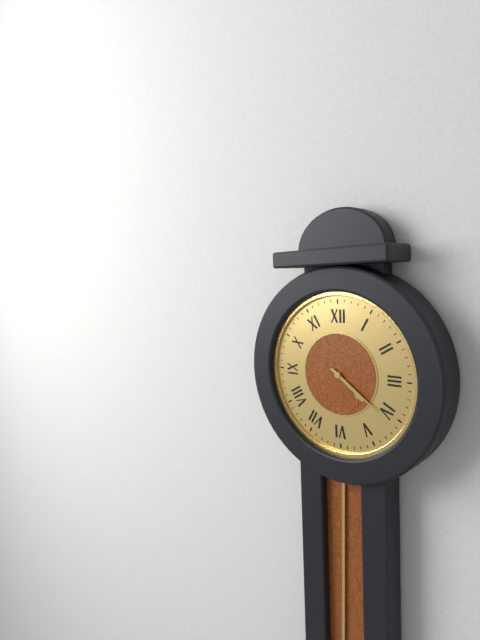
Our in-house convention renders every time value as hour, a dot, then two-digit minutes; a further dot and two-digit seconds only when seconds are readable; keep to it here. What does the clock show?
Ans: 4.21
